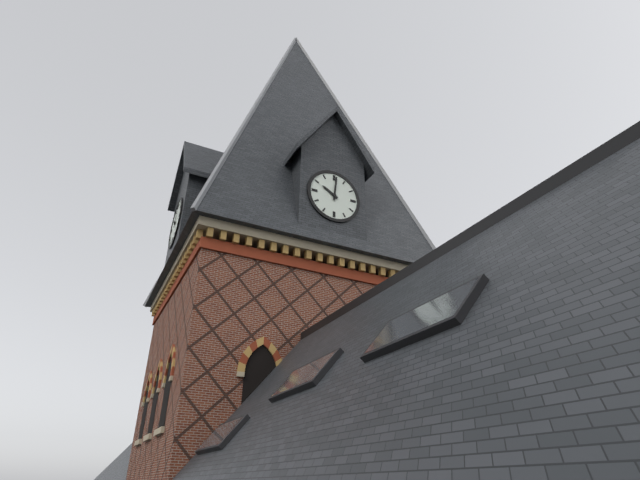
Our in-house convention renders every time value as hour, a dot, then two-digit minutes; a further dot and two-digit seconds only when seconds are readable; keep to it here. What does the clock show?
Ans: 10.01
